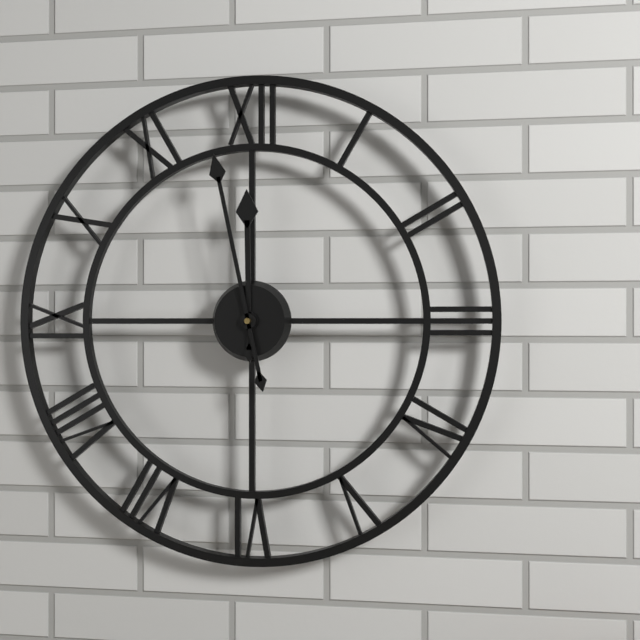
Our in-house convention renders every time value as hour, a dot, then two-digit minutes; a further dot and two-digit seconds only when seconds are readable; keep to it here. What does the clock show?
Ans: 11.58
